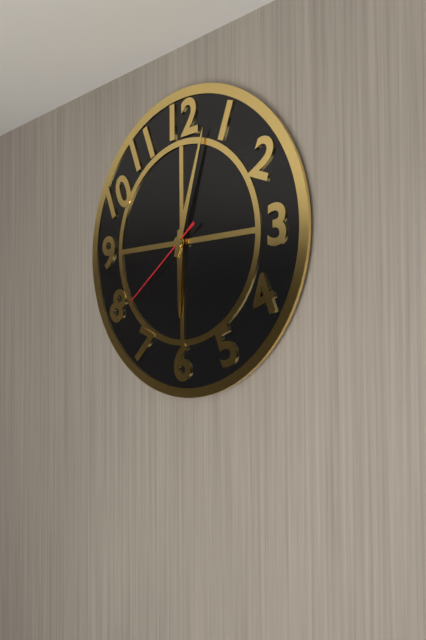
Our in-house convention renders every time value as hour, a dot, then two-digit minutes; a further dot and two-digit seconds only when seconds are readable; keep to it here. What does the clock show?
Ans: 6.03.39
